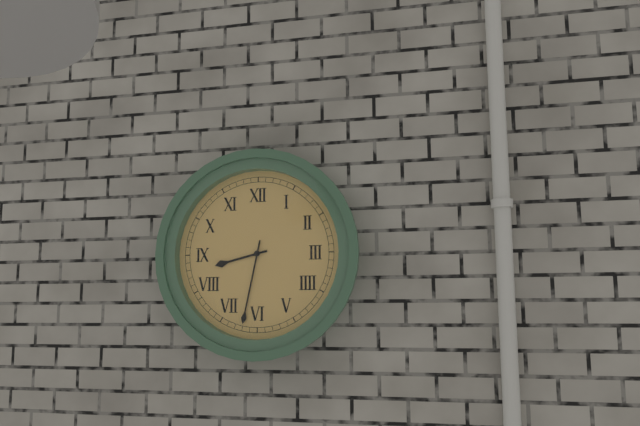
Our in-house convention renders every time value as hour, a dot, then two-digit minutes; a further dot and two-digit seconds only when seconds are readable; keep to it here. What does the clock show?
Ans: 8.32
